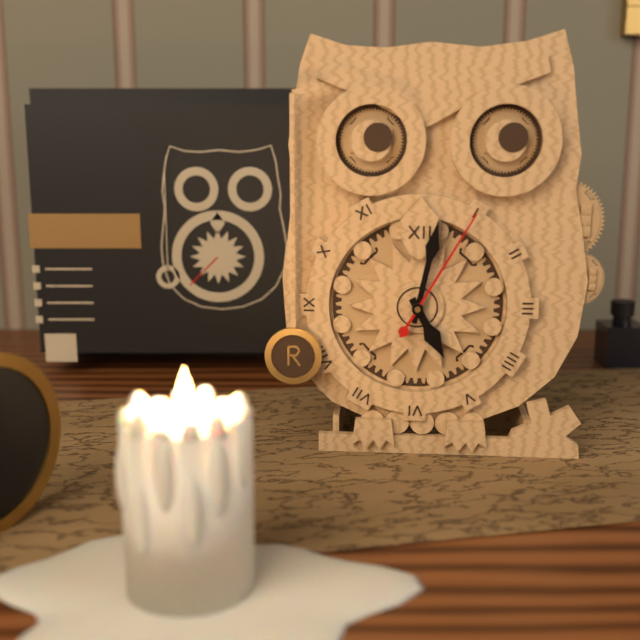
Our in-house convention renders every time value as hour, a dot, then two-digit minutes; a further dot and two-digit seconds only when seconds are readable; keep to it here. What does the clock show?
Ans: 5.02.05
